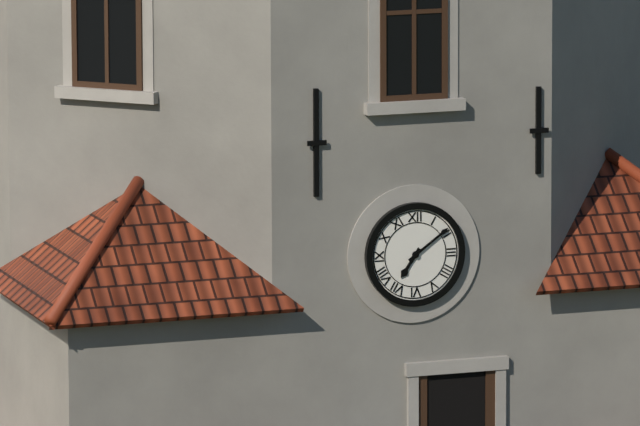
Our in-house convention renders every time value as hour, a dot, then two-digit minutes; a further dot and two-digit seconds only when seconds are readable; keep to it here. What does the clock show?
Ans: 7.09
